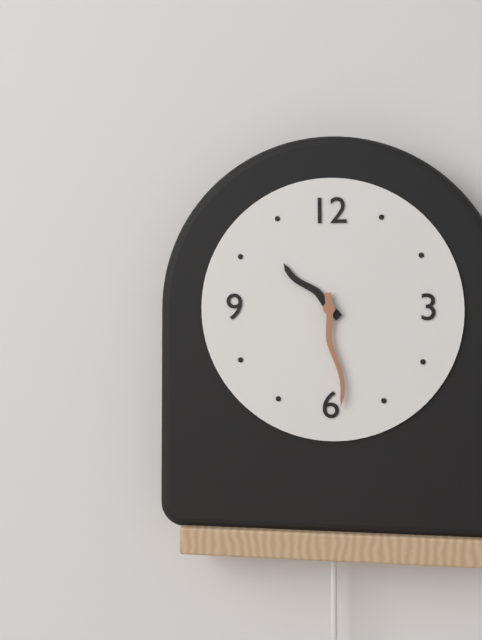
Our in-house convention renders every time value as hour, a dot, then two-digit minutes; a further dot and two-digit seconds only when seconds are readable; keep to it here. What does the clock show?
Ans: 10.29
